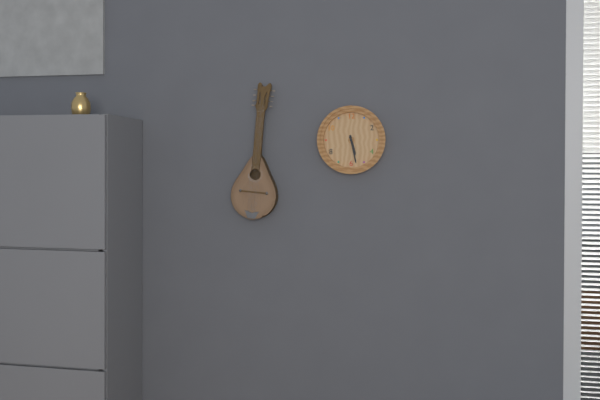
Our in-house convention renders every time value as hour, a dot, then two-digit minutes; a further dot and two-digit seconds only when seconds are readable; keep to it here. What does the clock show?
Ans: 5.28
